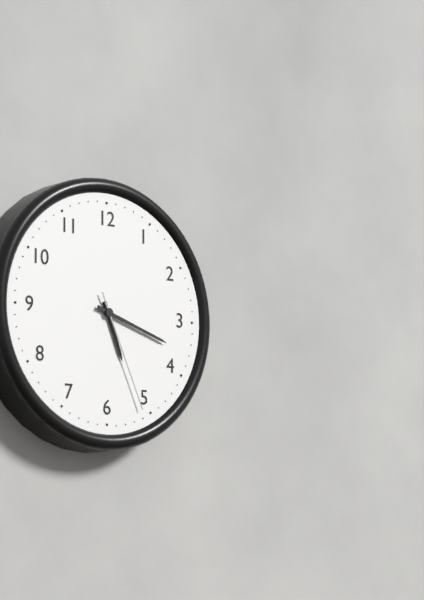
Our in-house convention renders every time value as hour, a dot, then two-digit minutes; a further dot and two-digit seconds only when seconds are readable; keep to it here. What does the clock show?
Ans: 5.18.26
